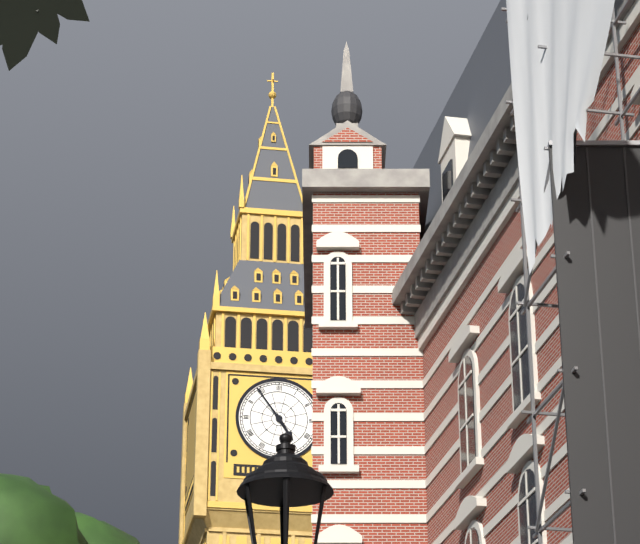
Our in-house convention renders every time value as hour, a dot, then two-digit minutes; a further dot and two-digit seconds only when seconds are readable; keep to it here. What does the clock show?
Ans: 4.54
